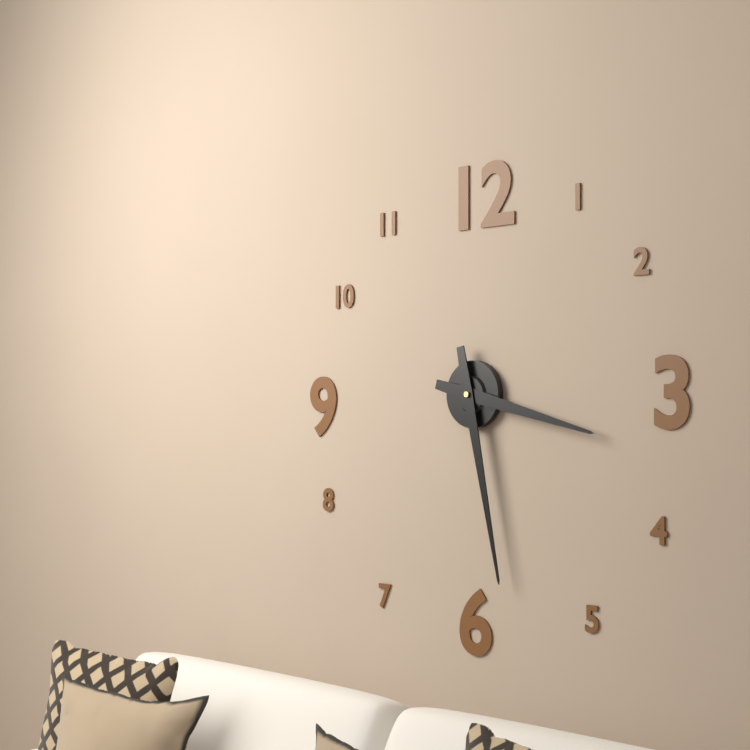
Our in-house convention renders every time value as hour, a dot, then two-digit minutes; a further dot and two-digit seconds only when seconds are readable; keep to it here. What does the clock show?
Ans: 3.28
